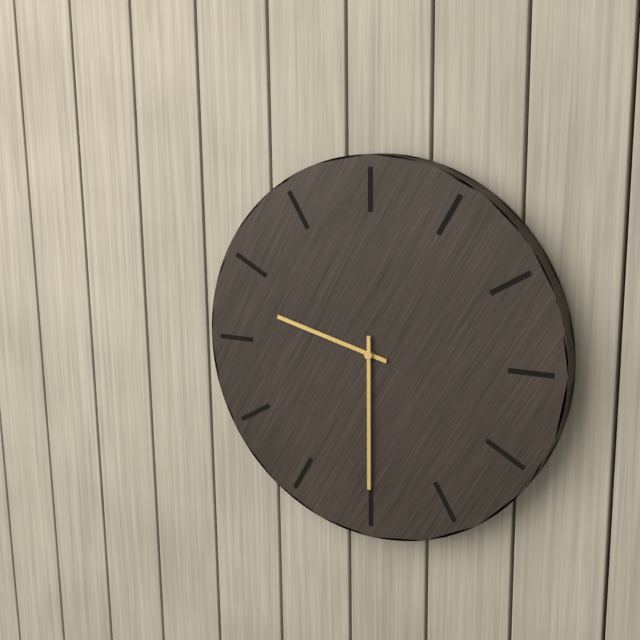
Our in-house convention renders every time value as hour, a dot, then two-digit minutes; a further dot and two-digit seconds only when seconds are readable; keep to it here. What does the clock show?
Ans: 9.30
